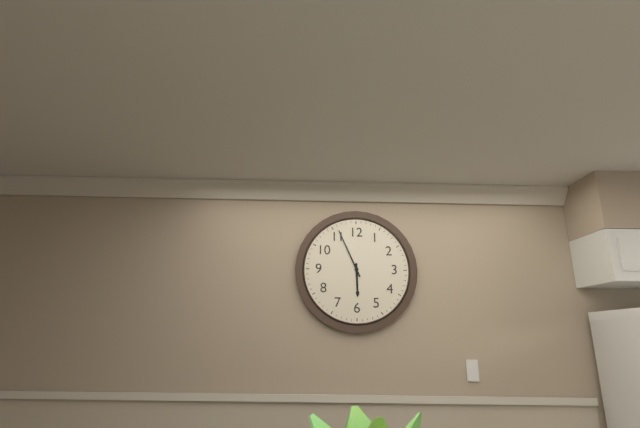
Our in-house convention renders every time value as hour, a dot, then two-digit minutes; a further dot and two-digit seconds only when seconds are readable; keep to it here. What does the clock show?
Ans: 5.56
